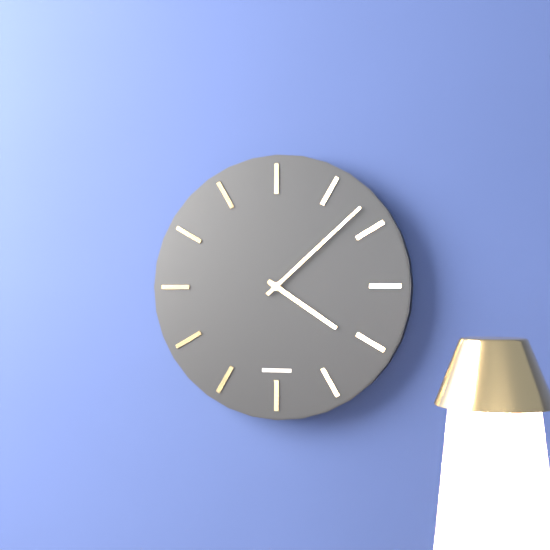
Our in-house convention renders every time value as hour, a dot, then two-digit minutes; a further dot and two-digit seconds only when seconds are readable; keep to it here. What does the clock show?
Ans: 4.08
